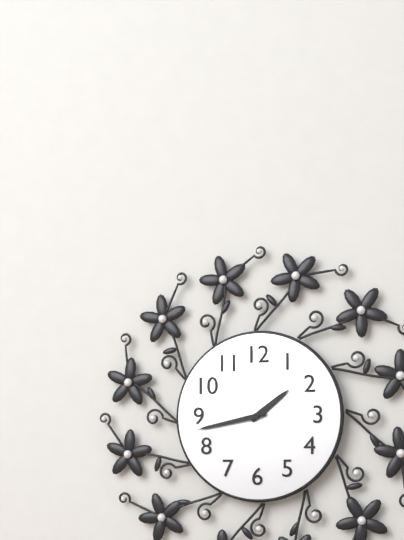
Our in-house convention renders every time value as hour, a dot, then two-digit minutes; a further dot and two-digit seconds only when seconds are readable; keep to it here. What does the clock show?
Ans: 1.43
